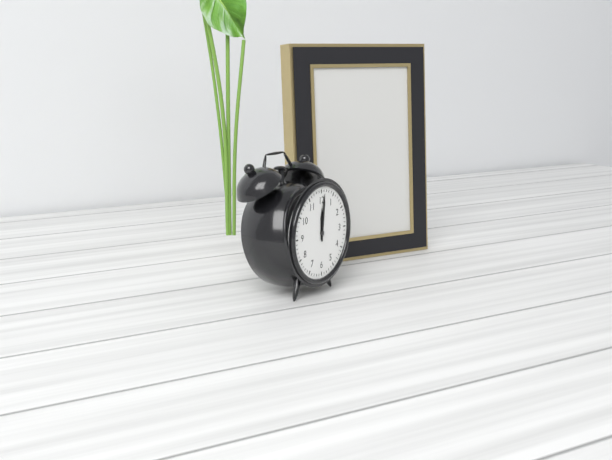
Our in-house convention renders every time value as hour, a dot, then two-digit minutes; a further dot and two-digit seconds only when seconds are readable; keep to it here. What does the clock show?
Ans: 12.01
